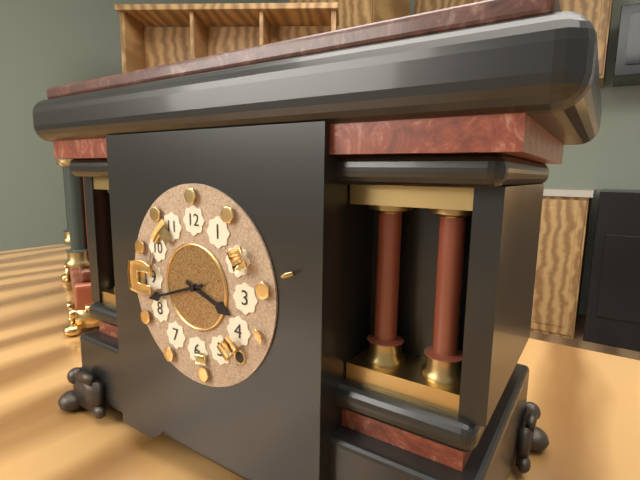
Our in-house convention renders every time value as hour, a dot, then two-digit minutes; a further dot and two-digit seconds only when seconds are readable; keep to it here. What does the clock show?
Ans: 3.42
